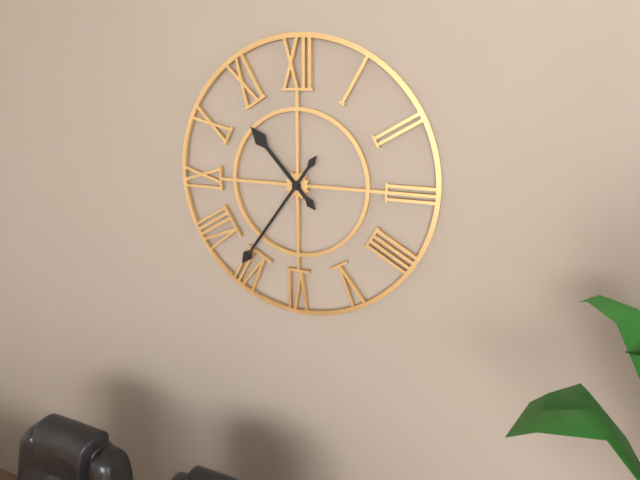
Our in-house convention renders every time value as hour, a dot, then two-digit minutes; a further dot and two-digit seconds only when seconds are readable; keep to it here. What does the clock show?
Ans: 10.36
